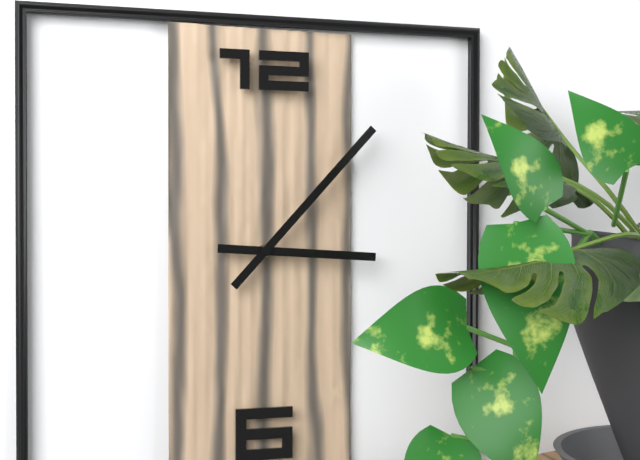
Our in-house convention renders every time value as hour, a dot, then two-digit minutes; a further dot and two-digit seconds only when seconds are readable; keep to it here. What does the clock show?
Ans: 3.07
